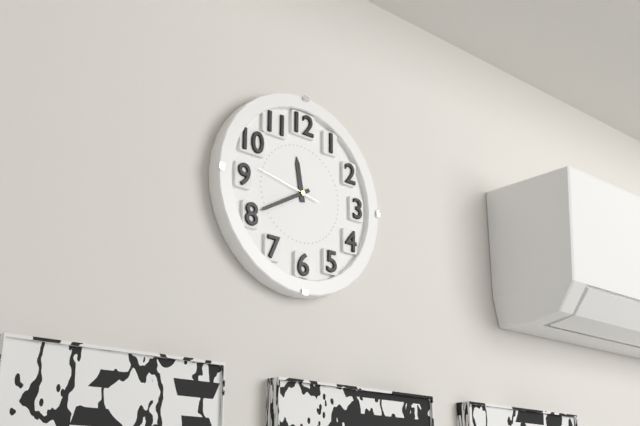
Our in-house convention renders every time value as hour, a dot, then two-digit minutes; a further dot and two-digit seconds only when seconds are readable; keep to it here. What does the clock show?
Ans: 11.40.47
